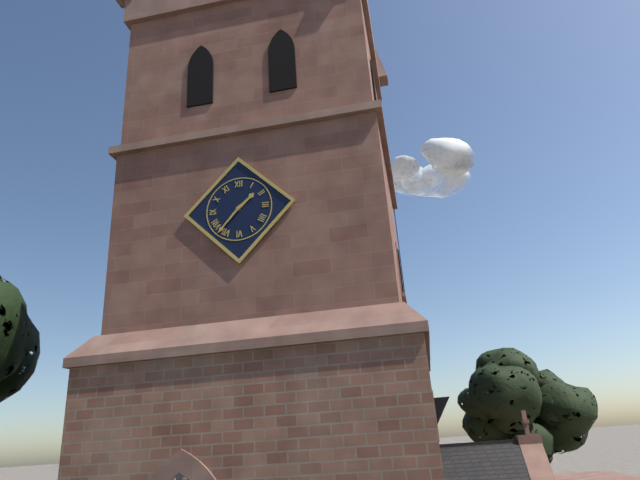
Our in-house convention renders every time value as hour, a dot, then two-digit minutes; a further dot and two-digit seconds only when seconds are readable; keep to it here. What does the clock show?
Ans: 1.37
